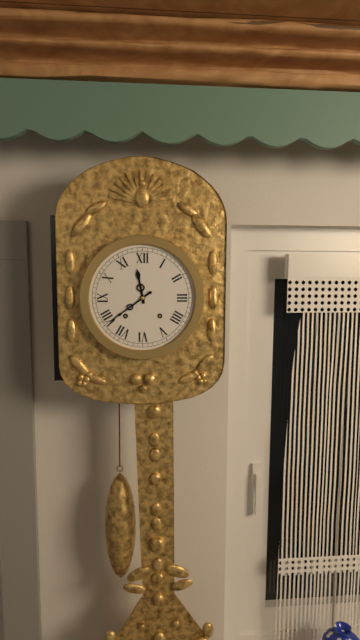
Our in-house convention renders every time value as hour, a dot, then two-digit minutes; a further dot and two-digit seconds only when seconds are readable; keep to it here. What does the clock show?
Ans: 11.39
